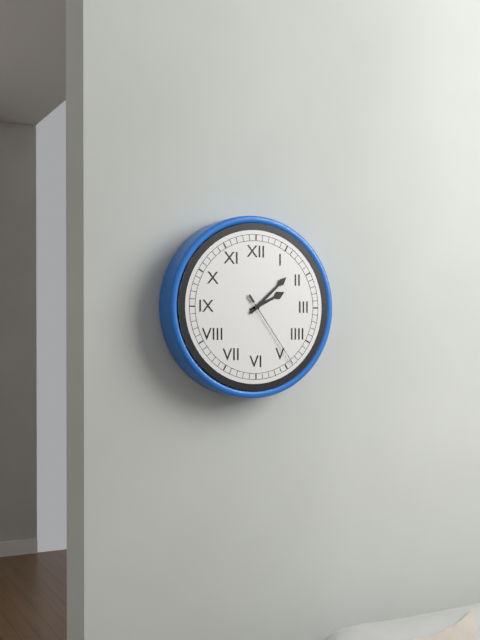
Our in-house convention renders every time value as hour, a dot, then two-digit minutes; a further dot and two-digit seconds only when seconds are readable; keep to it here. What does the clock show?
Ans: 2.08.24
